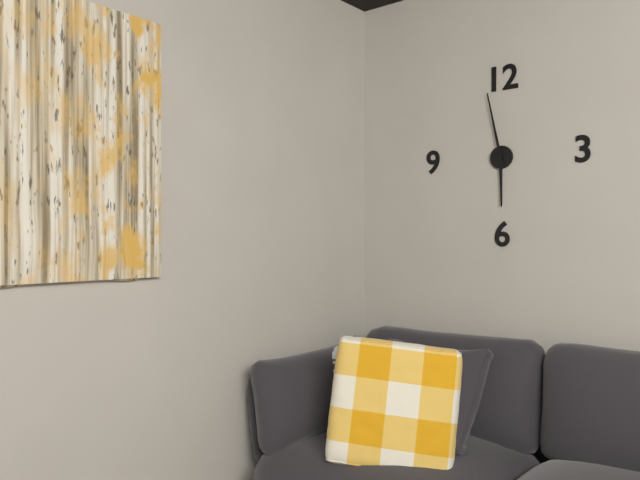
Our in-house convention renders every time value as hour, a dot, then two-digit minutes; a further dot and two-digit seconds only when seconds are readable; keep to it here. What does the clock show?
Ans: 5.58
